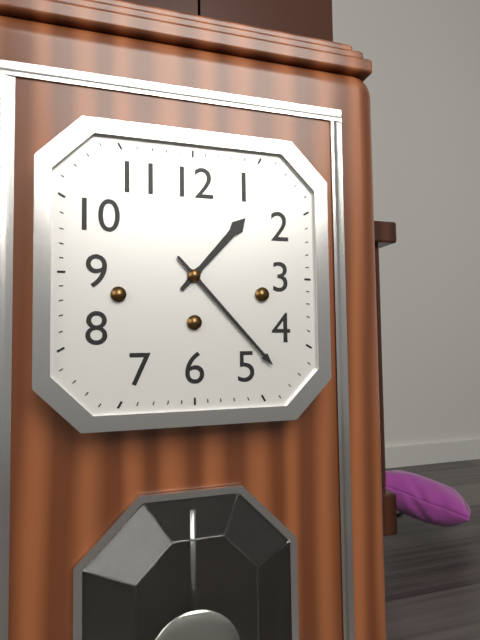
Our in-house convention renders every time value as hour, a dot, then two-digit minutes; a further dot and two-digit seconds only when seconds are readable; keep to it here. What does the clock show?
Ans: 1.23
